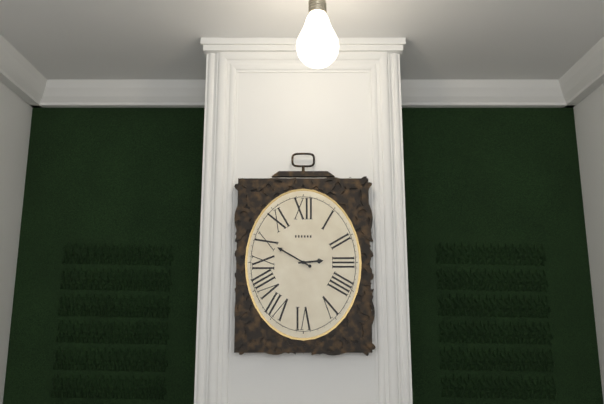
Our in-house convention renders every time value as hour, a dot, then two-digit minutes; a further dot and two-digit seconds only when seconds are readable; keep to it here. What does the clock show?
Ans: 2.50
